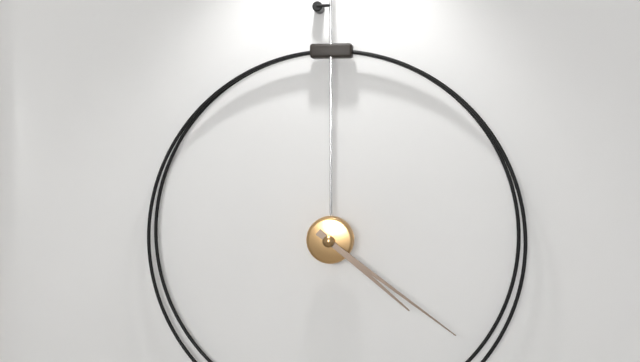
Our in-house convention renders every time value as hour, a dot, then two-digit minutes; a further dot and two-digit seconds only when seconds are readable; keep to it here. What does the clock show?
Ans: 4.21
